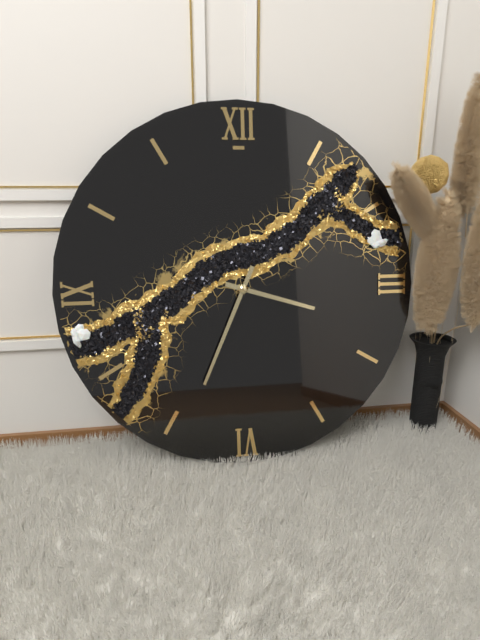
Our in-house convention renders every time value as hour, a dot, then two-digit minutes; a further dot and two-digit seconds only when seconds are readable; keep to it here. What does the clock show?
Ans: 3.34
